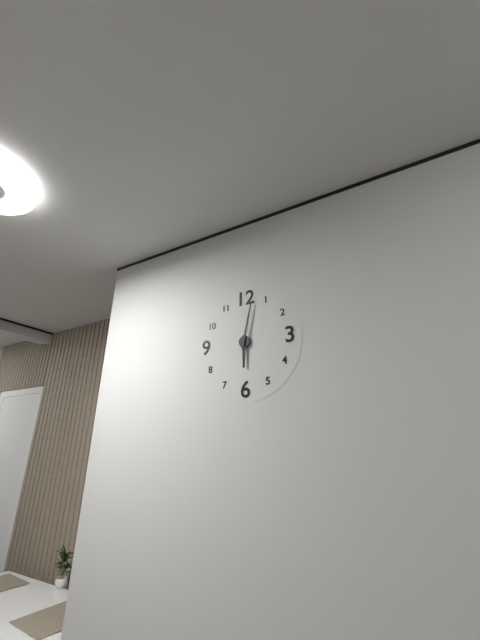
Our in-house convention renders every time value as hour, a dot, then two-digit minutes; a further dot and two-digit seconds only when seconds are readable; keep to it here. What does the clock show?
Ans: 6.02
